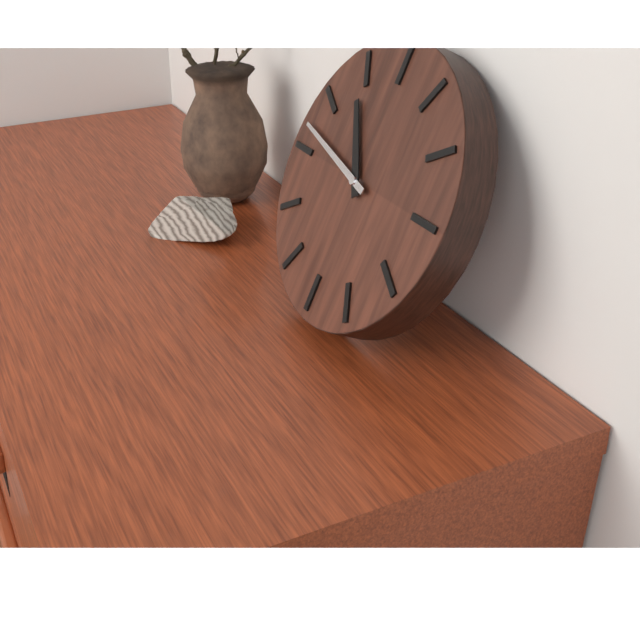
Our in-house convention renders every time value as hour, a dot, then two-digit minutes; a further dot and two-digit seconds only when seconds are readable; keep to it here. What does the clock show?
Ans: 10.47
